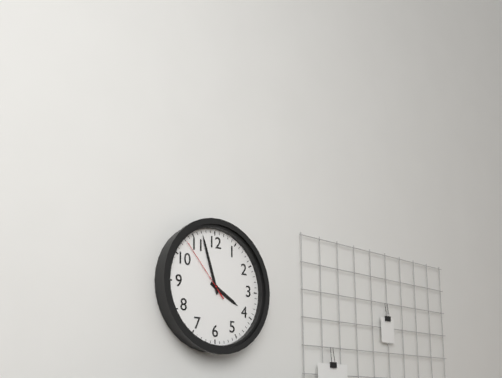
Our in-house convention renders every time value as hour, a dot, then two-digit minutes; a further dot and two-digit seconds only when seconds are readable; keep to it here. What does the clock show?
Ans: 3.57.53
